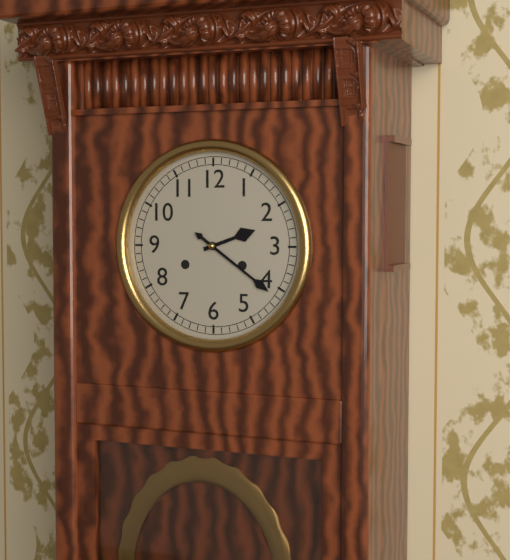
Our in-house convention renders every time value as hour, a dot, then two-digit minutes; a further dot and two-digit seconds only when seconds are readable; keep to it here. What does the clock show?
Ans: 2.21
